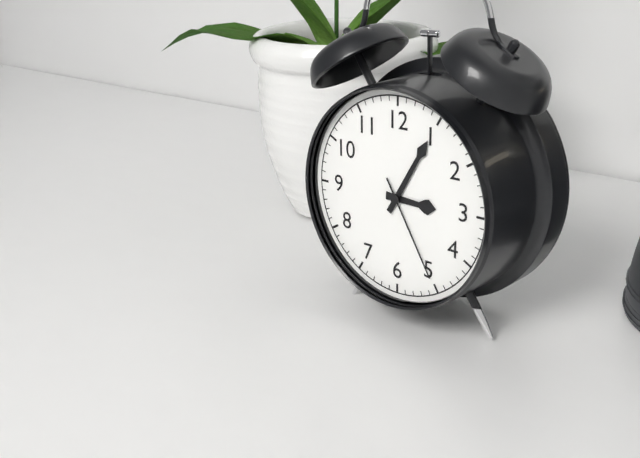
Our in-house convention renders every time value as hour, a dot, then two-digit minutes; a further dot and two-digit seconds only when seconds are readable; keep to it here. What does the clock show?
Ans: 3.05.25
